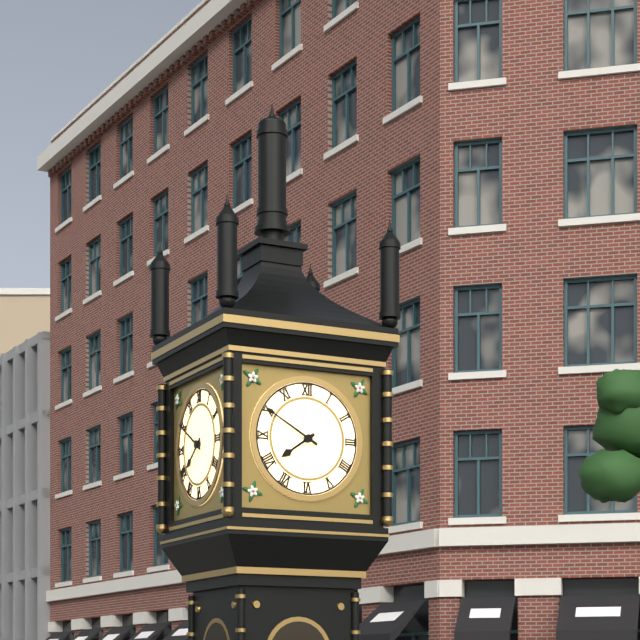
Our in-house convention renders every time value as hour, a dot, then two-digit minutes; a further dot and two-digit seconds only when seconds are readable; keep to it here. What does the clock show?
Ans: 7.50
